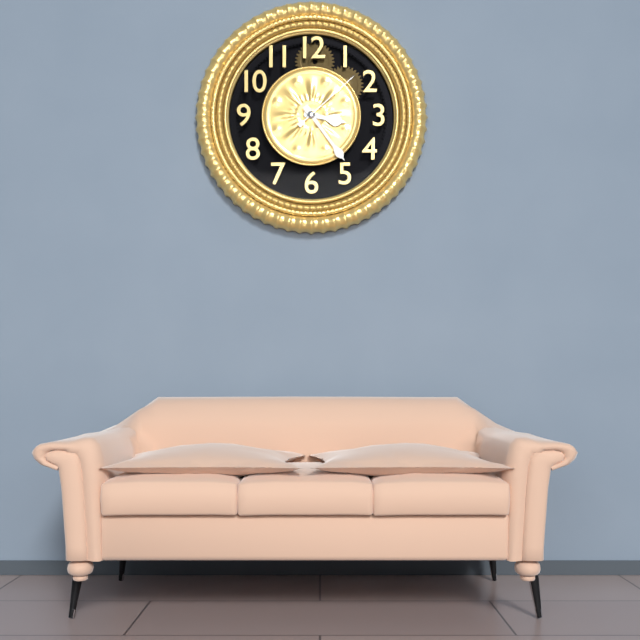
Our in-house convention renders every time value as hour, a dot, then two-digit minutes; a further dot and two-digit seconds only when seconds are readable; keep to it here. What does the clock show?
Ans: 3.24.08
